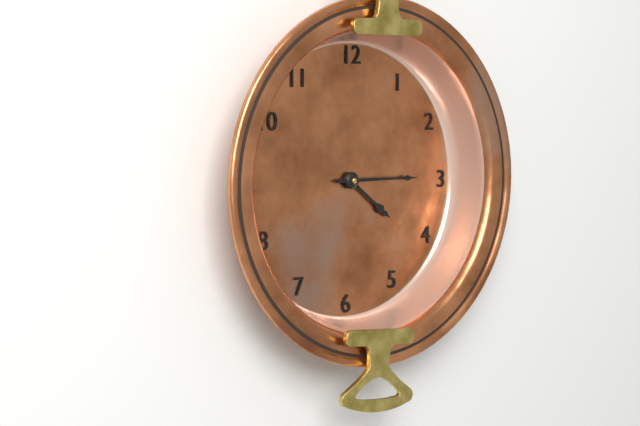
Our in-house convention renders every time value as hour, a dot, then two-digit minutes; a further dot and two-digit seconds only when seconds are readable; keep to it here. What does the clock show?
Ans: 4.15
